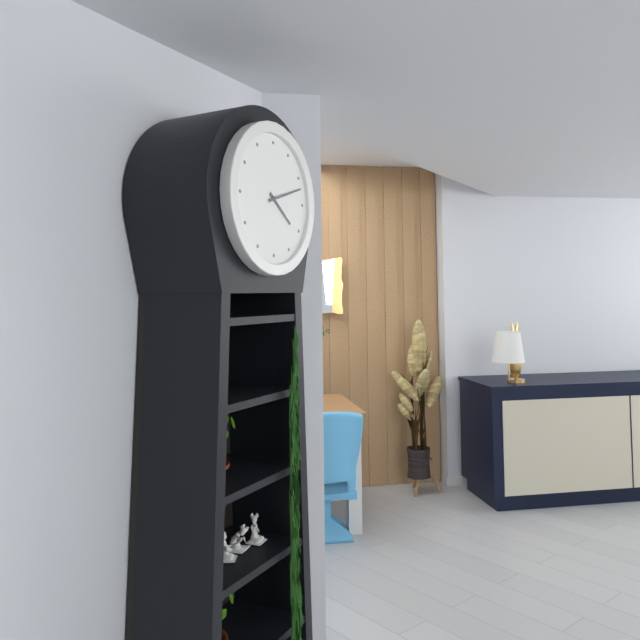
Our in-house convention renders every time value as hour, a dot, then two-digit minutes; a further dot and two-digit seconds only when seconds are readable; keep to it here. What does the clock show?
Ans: 4.12
